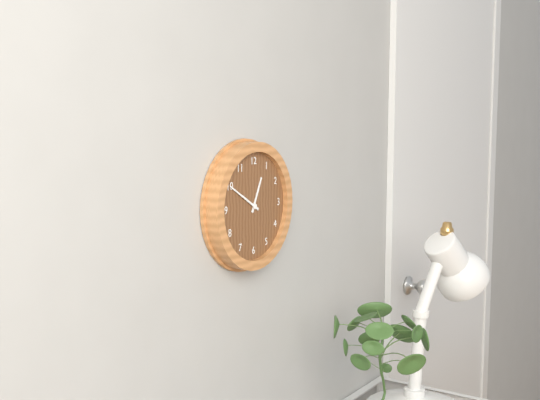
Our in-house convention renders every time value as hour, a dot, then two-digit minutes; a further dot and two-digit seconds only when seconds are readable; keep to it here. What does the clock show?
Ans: 12.50
